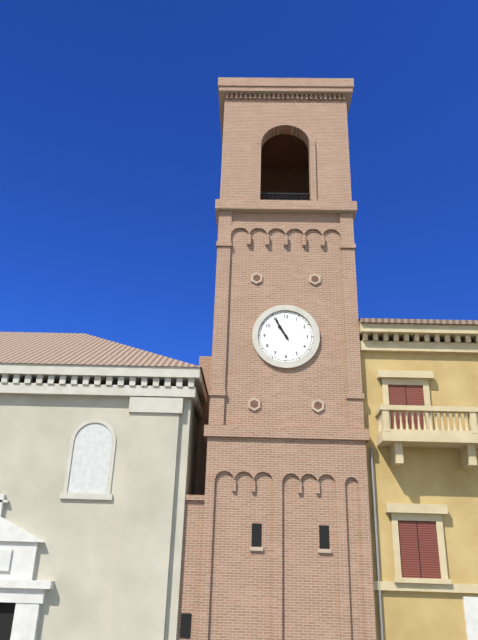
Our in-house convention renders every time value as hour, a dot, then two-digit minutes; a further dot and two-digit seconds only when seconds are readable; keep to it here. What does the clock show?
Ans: 10.55
